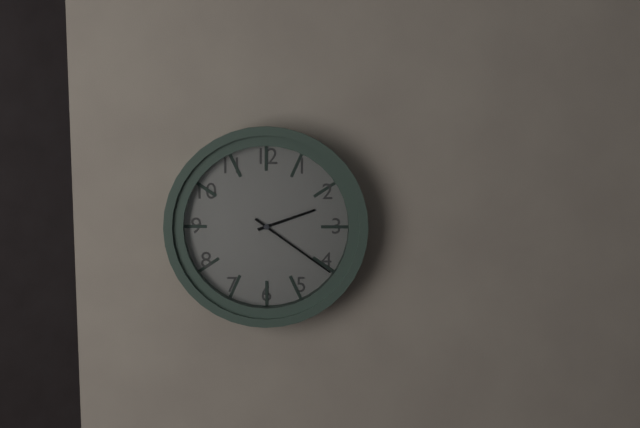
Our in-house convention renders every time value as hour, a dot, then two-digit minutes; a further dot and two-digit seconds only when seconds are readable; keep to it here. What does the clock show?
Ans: 2.21
